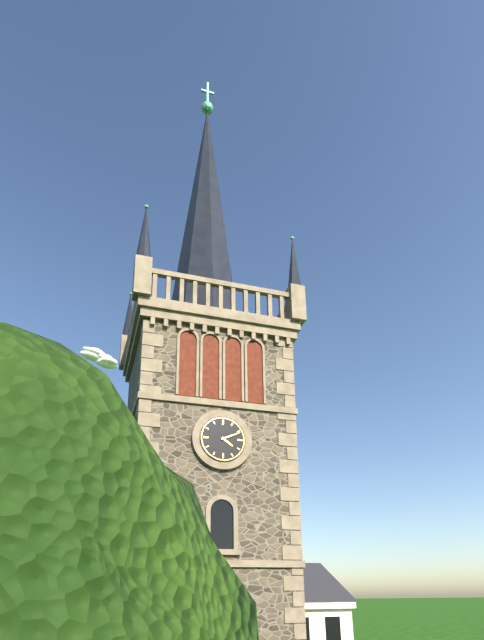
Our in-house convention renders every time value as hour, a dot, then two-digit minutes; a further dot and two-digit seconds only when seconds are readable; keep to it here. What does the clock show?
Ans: 4.11
